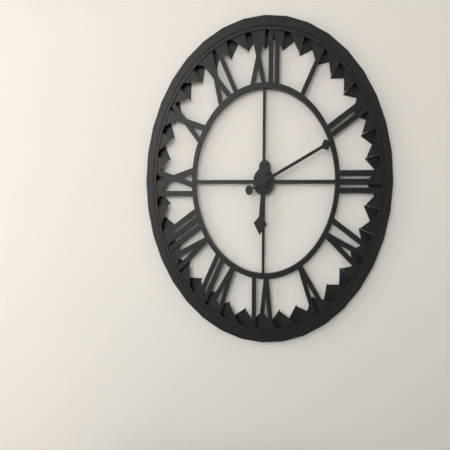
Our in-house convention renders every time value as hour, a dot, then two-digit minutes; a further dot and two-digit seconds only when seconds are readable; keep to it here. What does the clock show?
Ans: 6.11
